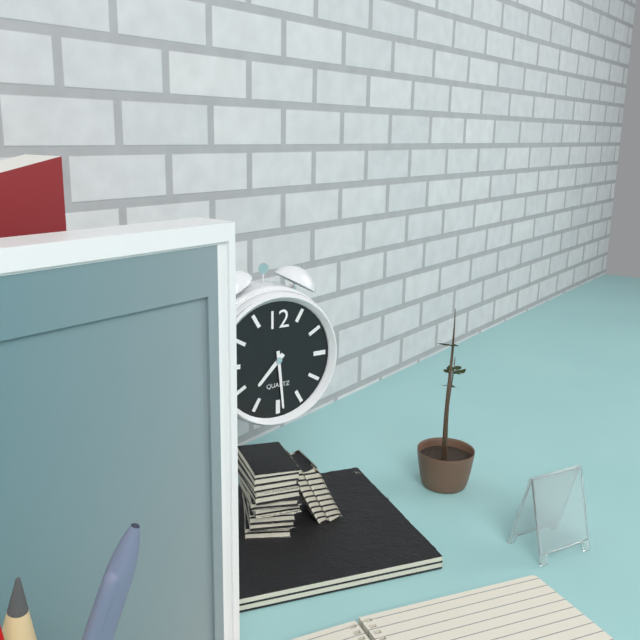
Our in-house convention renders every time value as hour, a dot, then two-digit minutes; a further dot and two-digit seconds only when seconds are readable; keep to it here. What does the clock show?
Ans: 7.29
